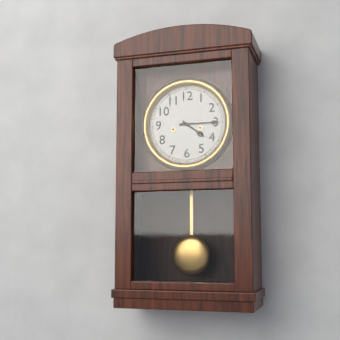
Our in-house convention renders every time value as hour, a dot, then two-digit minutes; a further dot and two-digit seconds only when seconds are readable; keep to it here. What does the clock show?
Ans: 4.15
